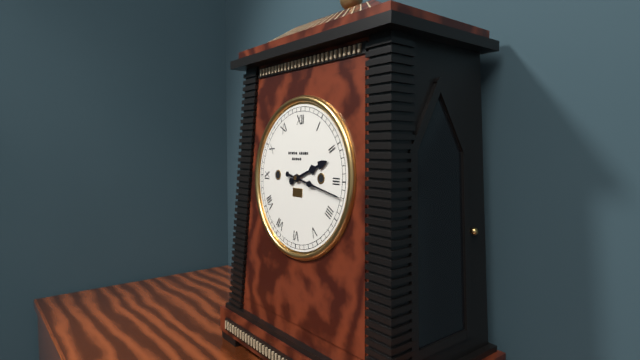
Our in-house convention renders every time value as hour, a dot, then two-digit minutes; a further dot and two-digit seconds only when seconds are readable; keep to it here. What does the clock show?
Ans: 2.17
